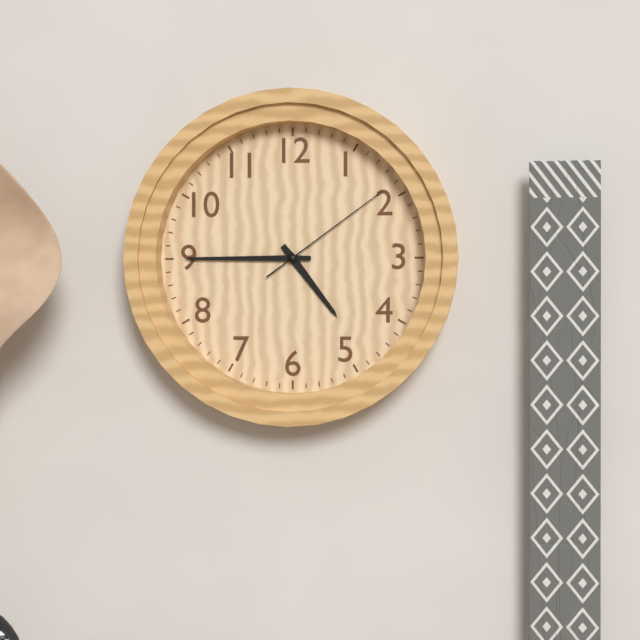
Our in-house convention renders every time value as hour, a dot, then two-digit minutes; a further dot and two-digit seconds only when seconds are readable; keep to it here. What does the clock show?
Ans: 4.45.09
